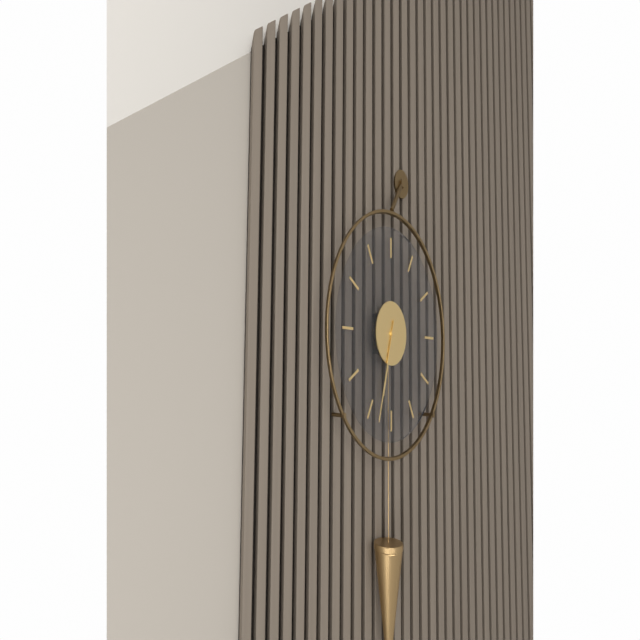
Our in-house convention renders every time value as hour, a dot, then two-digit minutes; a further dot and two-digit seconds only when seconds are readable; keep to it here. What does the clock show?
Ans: 6.33
